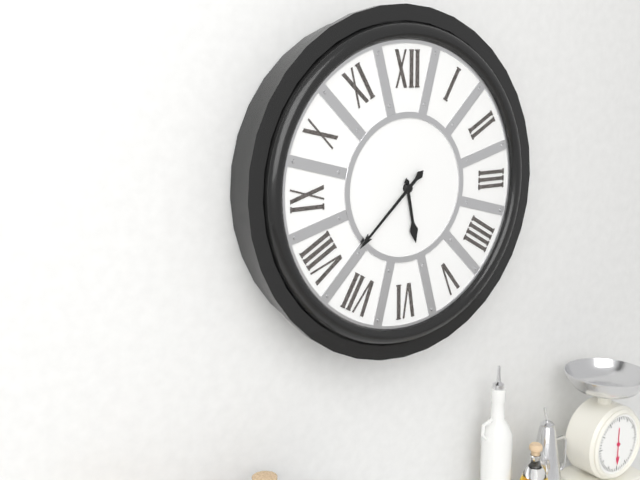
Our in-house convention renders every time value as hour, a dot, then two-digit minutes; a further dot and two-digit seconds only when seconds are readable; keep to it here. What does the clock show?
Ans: 5.38
